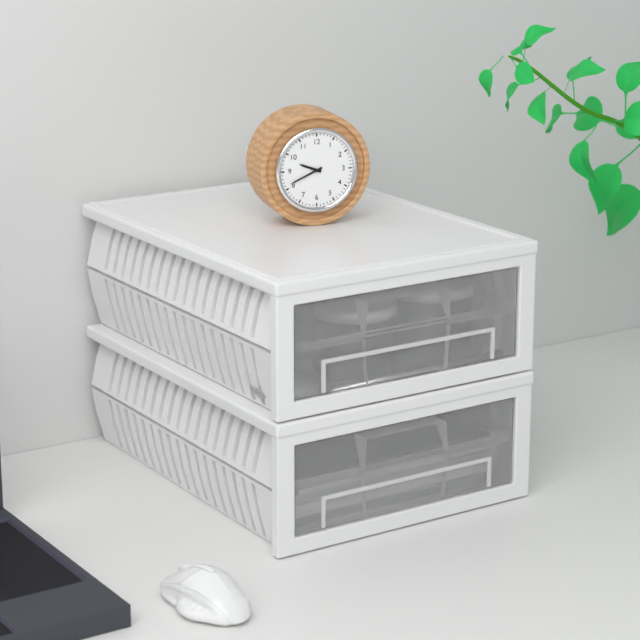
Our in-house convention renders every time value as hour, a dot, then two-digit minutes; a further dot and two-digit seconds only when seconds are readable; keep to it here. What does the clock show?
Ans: 9.41
